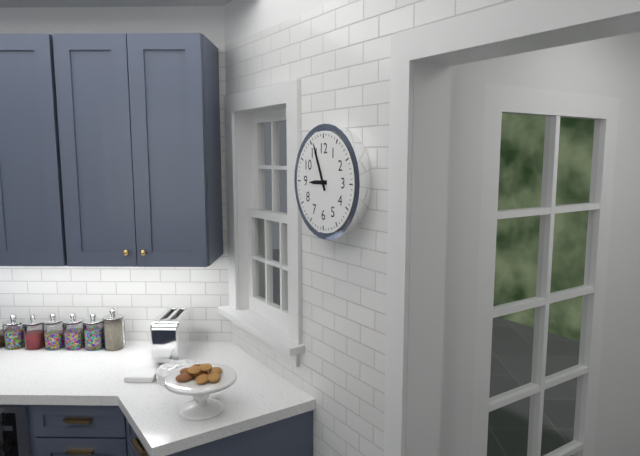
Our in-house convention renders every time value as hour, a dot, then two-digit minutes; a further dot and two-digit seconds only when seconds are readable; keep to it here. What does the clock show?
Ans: 8.56
